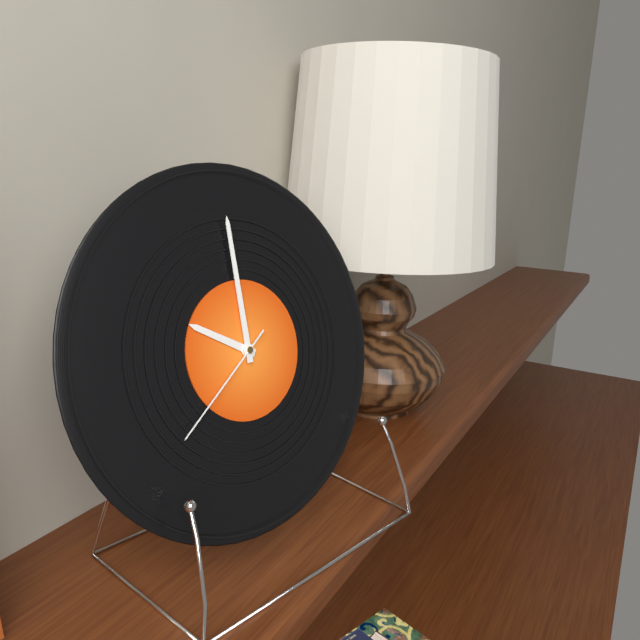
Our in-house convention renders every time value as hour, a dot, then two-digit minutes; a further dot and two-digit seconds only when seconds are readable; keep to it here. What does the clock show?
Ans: 10.00.39
